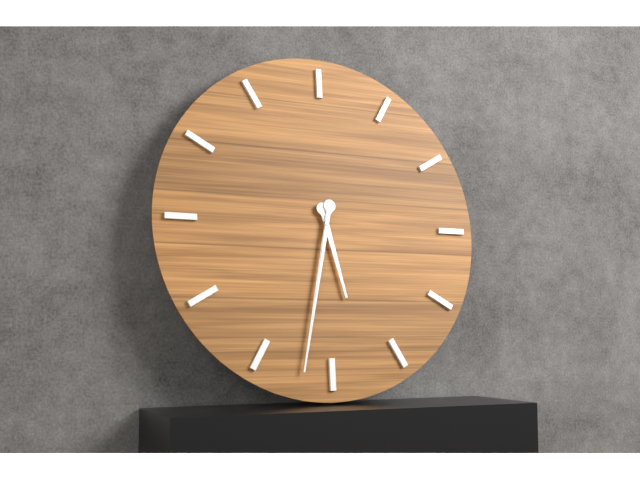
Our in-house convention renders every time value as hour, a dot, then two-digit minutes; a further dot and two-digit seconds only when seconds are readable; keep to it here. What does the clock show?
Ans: 5.32
